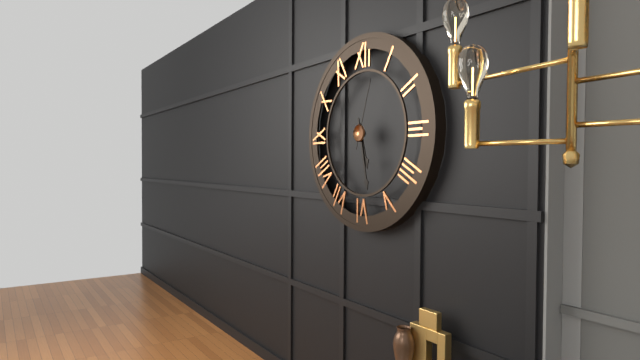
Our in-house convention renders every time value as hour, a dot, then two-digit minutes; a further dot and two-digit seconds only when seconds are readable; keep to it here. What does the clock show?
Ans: 5.28.03
